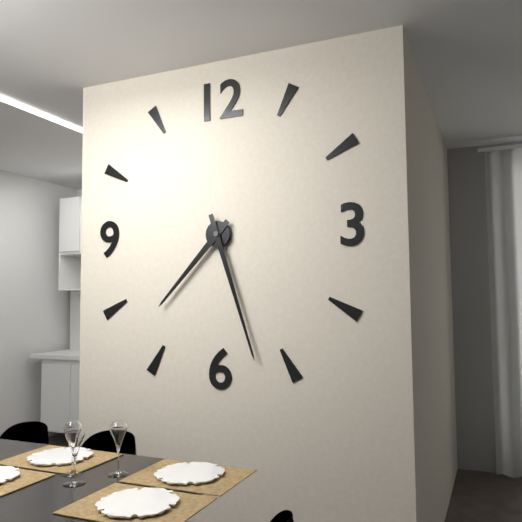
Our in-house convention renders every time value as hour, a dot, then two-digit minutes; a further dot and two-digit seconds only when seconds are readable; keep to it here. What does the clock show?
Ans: 7.27
